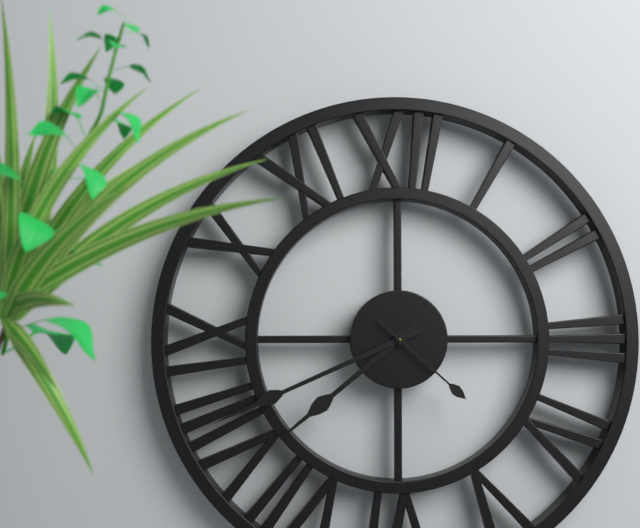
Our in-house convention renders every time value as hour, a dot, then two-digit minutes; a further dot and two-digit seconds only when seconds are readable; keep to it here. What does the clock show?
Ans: 7.41.22
